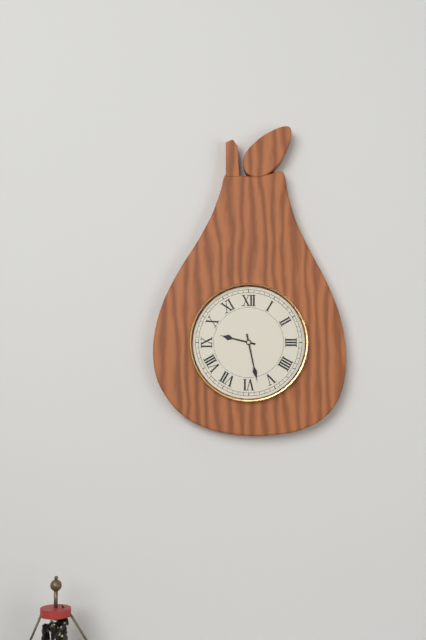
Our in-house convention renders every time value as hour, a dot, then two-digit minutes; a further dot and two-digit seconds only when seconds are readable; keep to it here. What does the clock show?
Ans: 9.28
